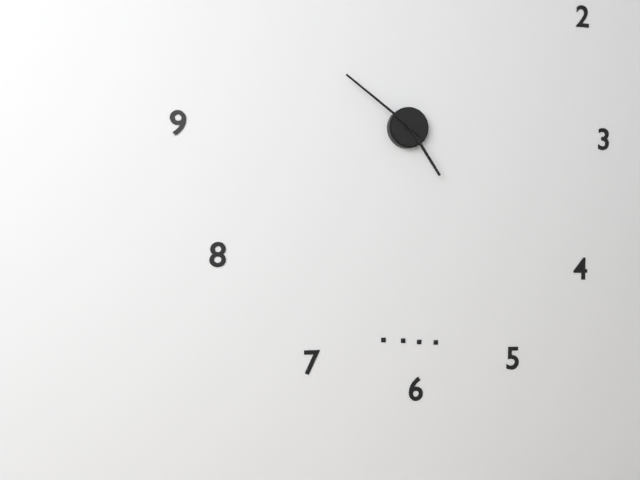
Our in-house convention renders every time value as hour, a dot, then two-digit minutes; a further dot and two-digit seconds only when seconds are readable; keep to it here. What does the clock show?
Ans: 4.51
